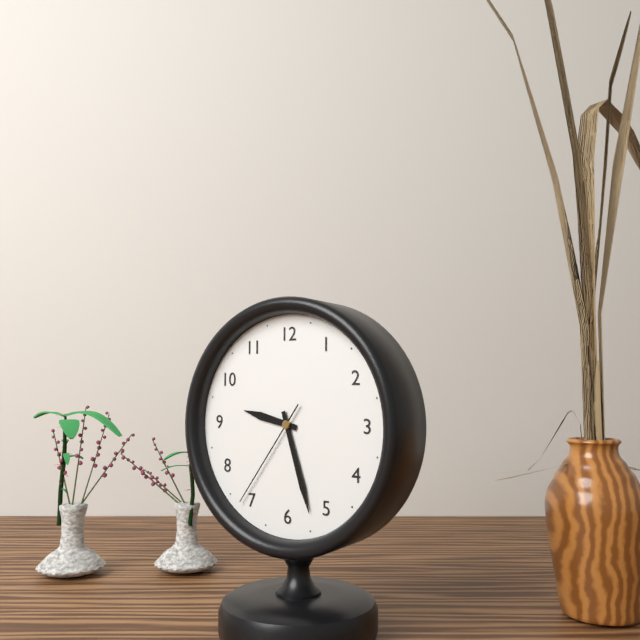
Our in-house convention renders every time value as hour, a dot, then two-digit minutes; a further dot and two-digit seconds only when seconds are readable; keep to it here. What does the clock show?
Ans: 9.27.36
